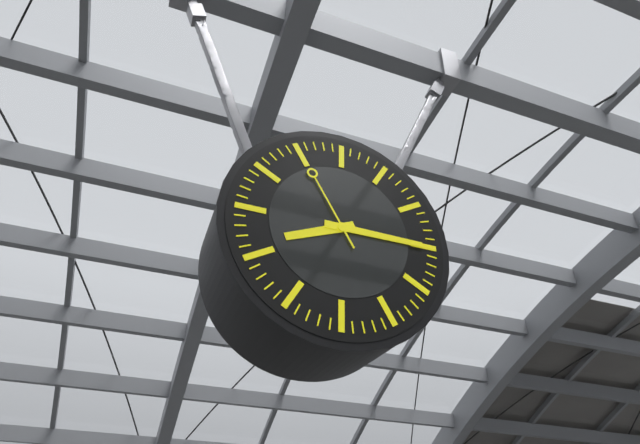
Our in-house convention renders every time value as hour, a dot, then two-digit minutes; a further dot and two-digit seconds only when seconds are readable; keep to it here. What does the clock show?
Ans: 8.15.55
